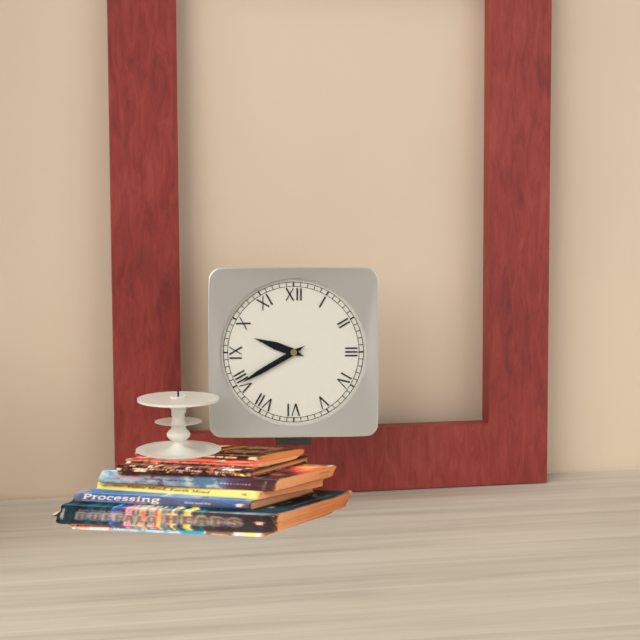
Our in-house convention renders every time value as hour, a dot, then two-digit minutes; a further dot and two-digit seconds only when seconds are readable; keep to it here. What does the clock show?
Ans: 9.40
